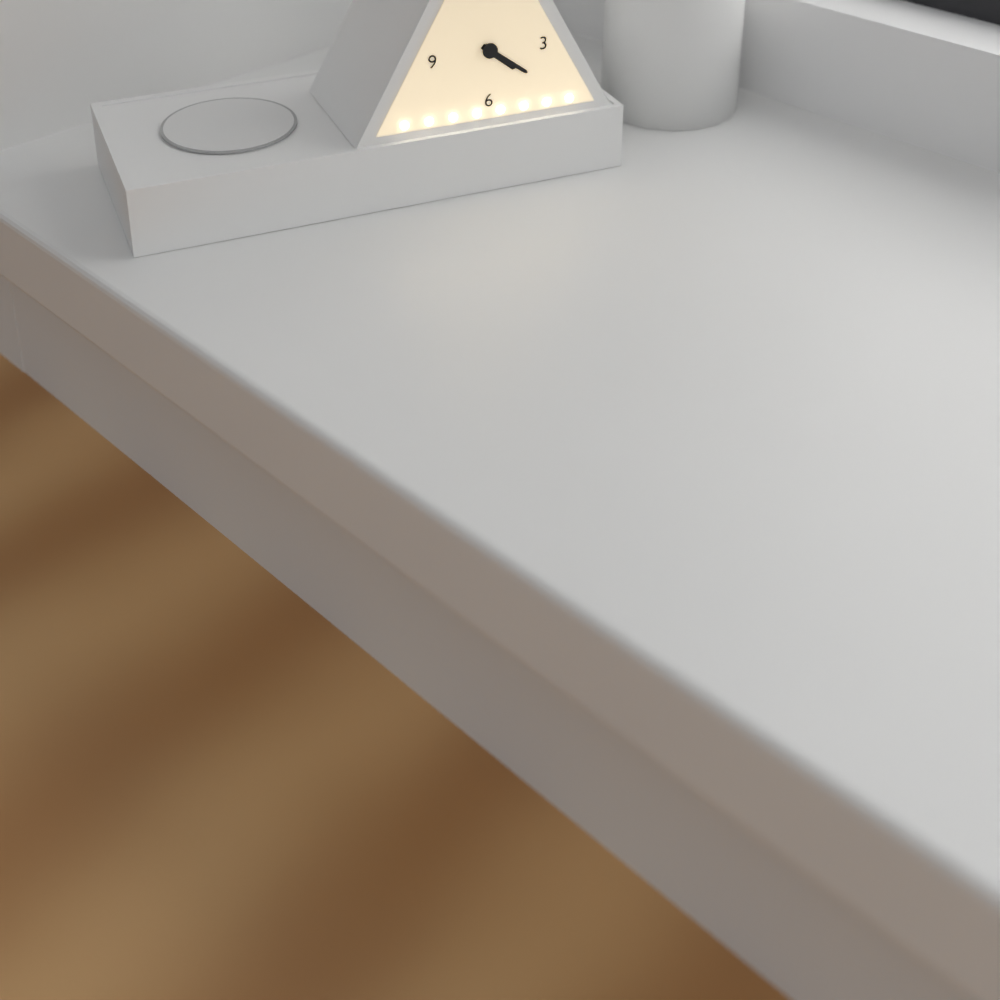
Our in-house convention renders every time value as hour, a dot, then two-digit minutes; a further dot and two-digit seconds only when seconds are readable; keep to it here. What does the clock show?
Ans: 4.21
